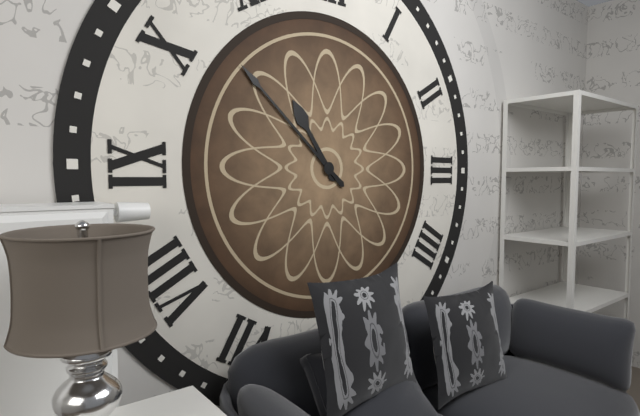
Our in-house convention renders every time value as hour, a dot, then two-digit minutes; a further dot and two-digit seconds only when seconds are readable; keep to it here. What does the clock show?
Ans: 10.52
